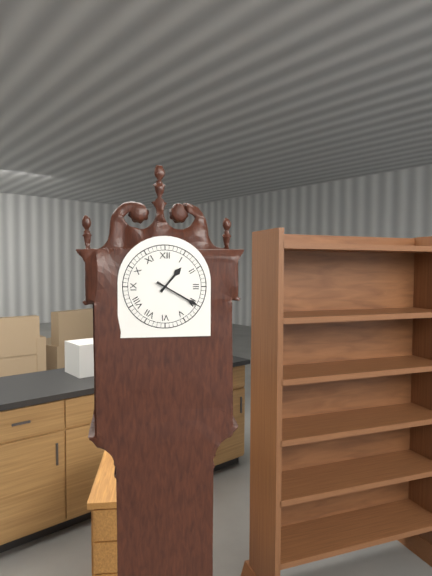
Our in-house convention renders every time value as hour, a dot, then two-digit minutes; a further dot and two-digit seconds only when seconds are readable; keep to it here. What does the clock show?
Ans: 1.20
